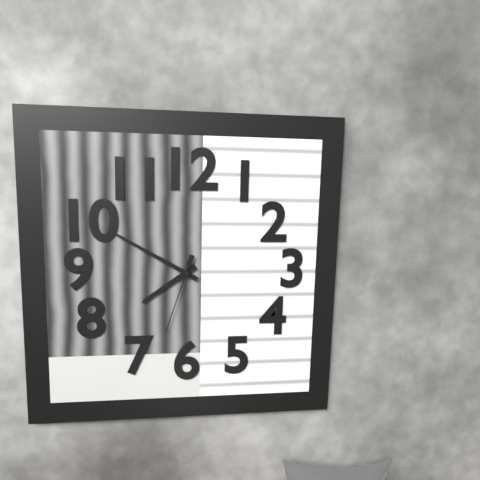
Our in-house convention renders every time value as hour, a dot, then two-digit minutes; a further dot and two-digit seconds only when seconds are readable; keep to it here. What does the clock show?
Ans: 7.50.33
